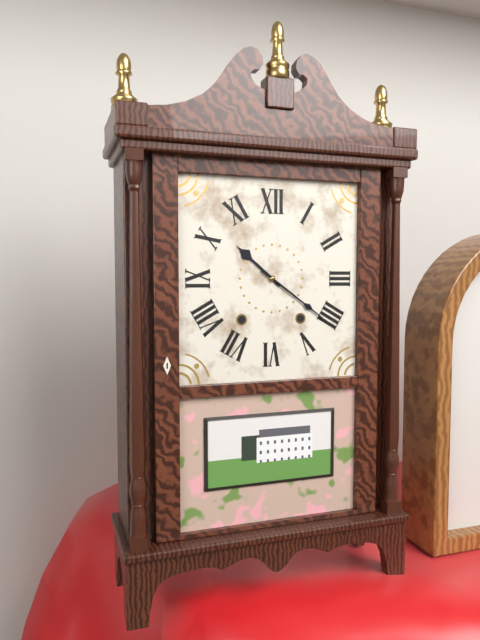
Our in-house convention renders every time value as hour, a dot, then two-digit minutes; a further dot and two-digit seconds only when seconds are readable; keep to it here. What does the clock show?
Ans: 10.21
